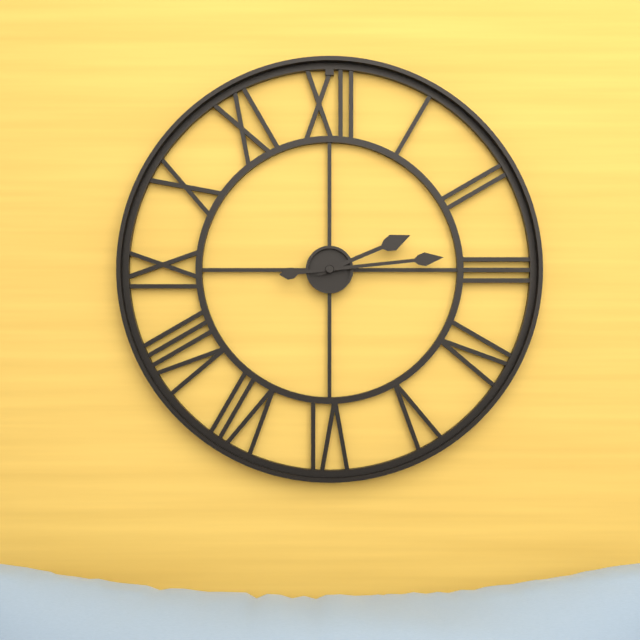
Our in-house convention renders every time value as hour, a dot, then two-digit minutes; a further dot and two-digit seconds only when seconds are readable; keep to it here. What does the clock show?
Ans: 2.14
